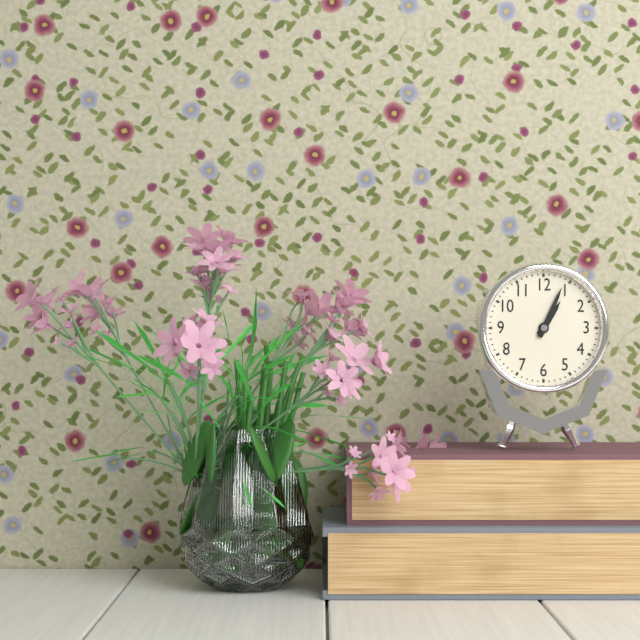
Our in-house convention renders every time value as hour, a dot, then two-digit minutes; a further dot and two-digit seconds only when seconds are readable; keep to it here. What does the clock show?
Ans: 1.04
